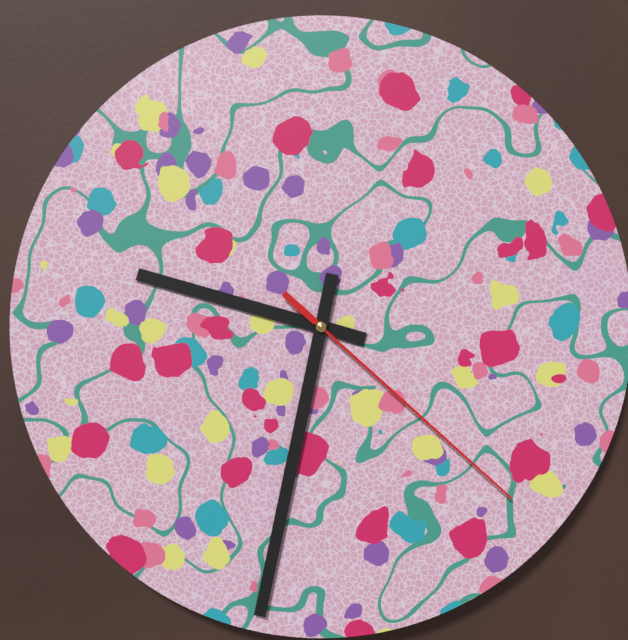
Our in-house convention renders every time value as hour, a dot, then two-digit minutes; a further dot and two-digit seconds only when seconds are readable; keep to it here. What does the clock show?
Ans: 9.32.22
